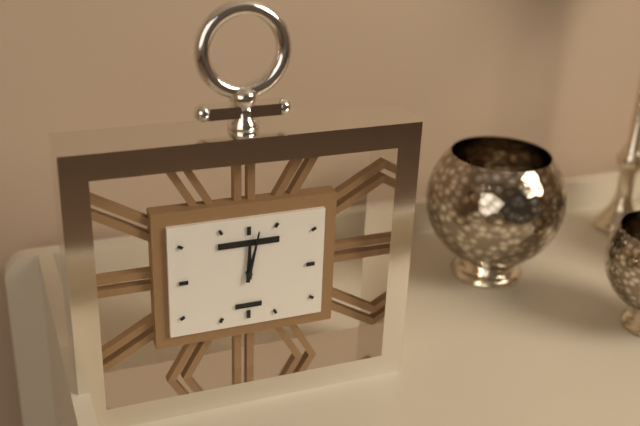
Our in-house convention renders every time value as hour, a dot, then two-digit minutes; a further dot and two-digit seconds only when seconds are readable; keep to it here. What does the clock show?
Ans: 12.02
